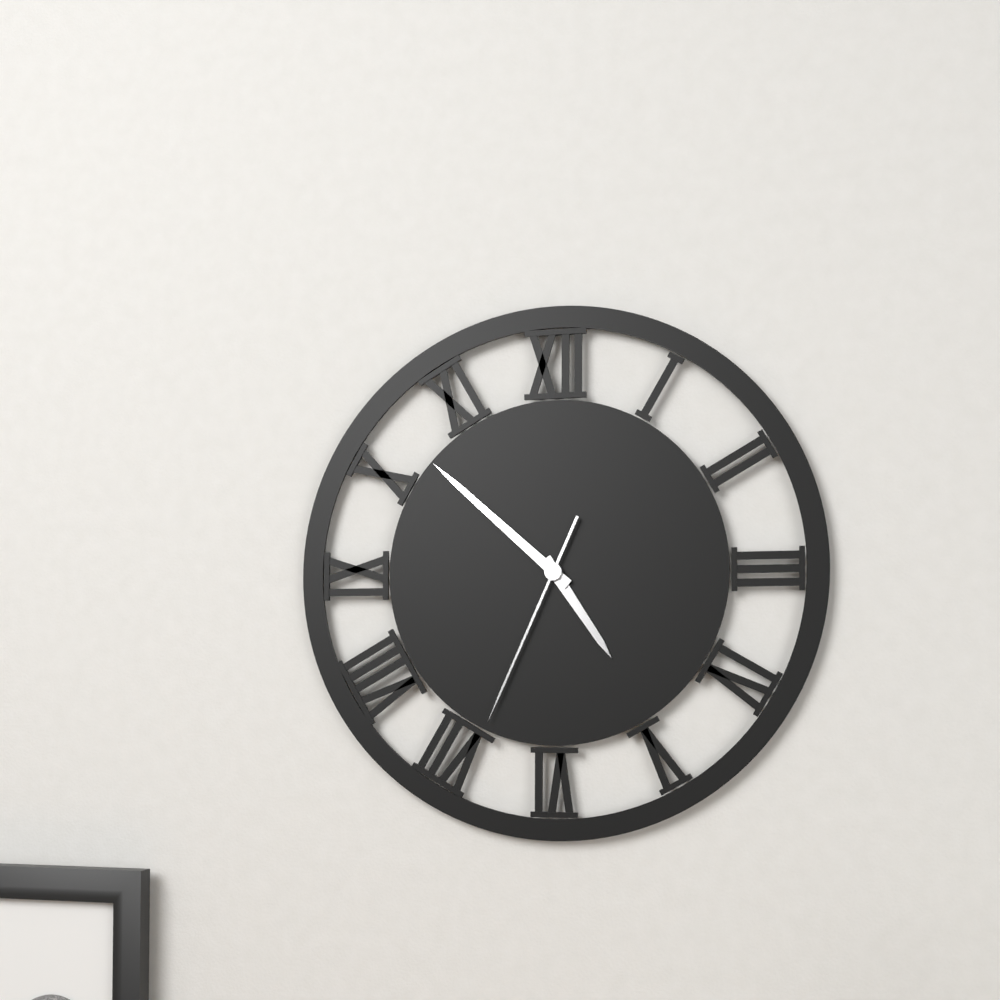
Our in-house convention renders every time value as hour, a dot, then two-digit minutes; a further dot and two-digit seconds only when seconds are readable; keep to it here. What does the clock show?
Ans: 4.52.34
